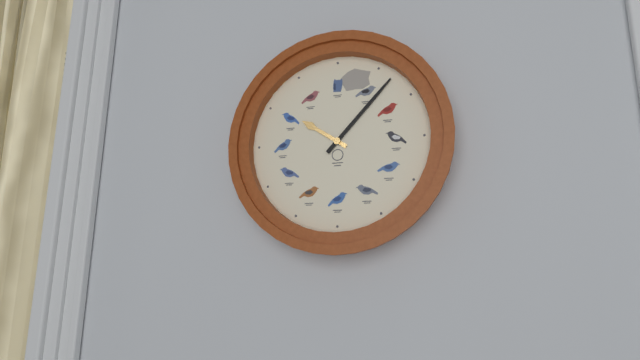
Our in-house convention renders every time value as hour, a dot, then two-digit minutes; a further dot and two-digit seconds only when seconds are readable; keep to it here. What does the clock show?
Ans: 10.07
